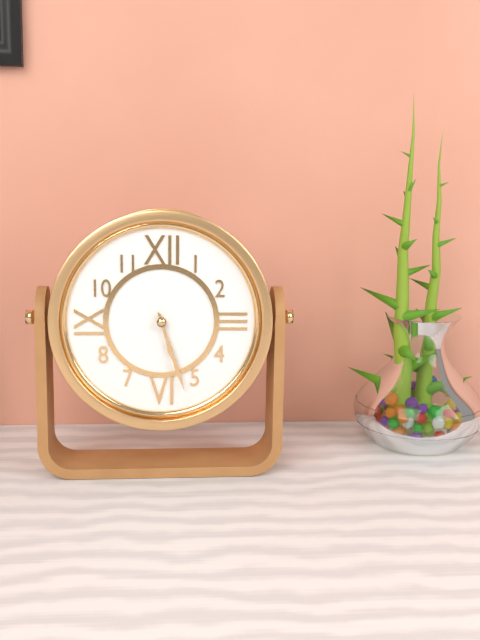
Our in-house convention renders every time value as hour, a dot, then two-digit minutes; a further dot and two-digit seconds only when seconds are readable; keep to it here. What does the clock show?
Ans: 5.27
